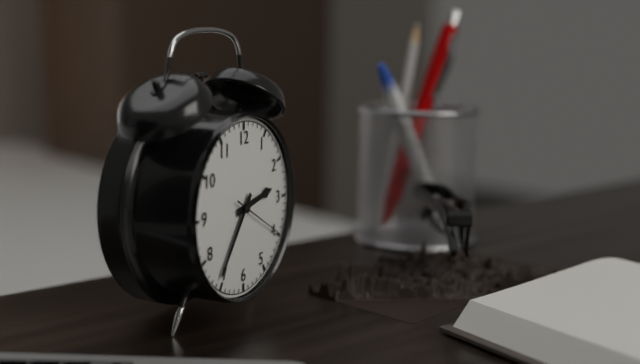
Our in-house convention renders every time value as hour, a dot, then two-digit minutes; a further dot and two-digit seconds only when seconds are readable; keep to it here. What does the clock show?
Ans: 2.36.20
